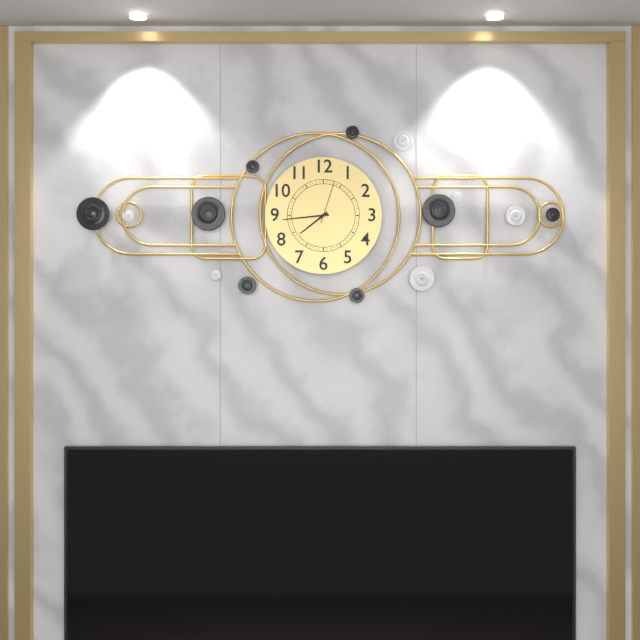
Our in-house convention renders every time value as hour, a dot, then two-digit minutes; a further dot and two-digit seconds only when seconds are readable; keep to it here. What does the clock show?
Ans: 7.44
